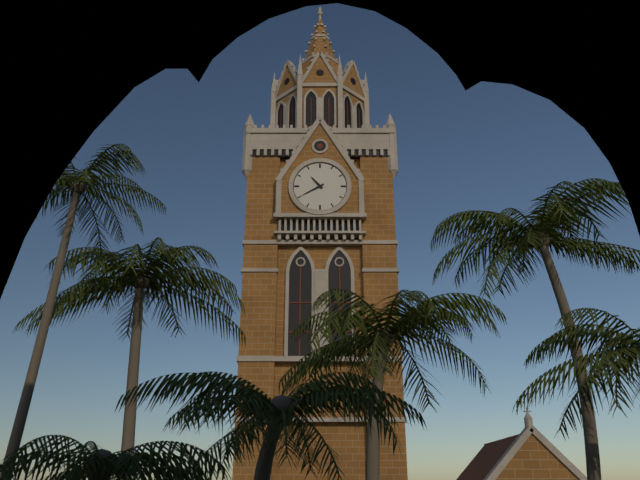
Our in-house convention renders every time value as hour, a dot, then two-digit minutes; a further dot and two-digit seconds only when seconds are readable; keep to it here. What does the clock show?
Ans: 10.40
